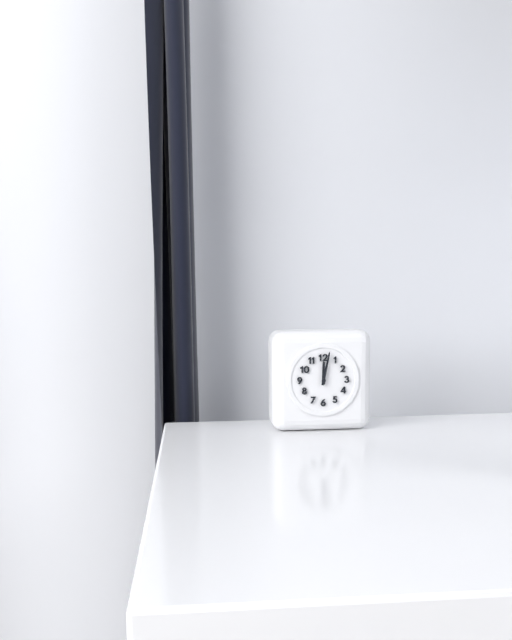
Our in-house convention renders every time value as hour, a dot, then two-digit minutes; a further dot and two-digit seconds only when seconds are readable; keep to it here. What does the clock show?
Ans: 12.02
